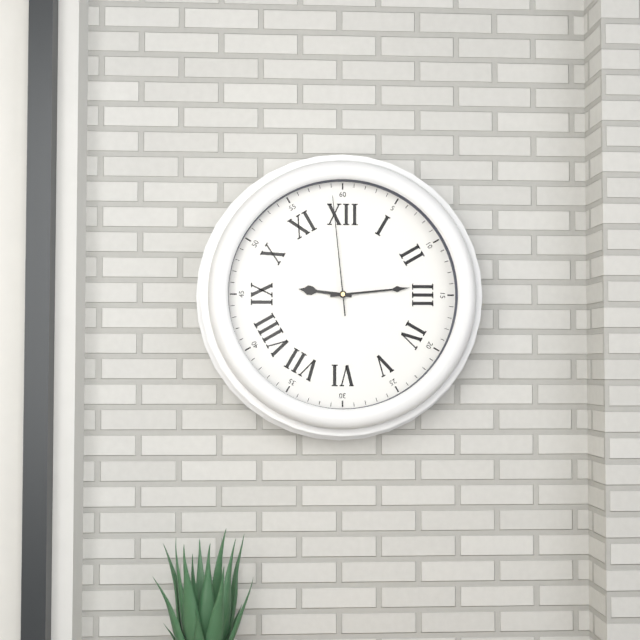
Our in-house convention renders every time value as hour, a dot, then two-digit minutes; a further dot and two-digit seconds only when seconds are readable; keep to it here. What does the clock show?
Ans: 9.14.59
